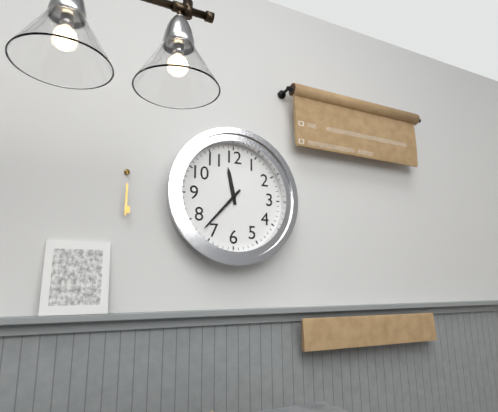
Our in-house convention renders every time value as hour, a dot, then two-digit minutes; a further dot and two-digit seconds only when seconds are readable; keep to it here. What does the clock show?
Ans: 11.37
